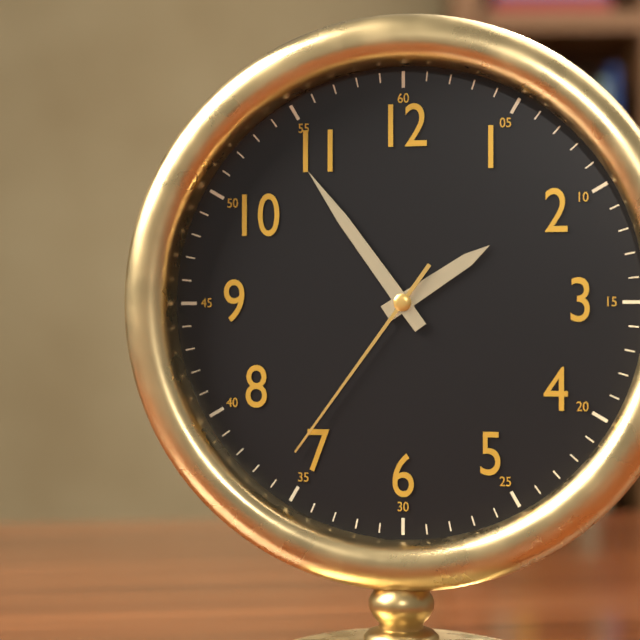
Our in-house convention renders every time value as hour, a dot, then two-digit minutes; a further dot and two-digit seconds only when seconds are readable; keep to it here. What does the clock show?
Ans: 1.54.36
